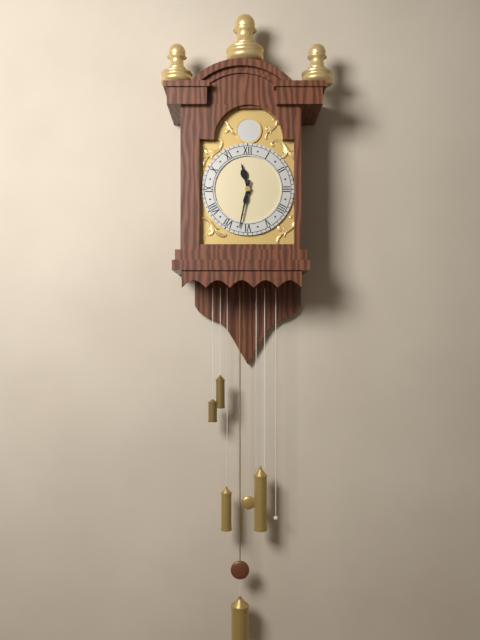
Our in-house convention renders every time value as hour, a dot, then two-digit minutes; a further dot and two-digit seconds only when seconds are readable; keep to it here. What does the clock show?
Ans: 11.32
